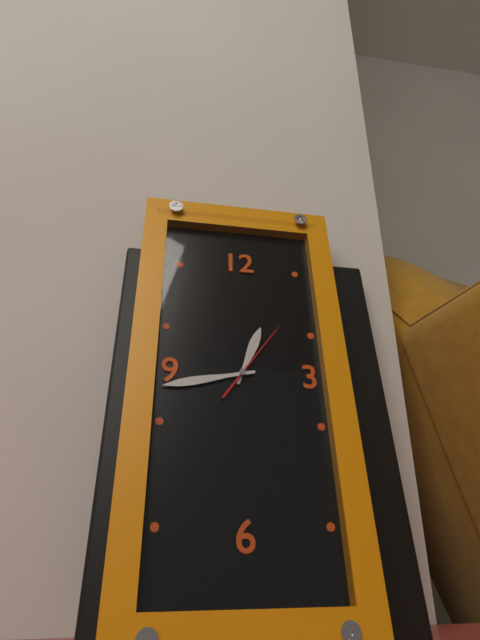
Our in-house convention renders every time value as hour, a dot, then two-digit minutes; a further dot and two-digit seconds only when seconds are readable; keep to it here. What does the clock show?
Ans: 12.43.06
